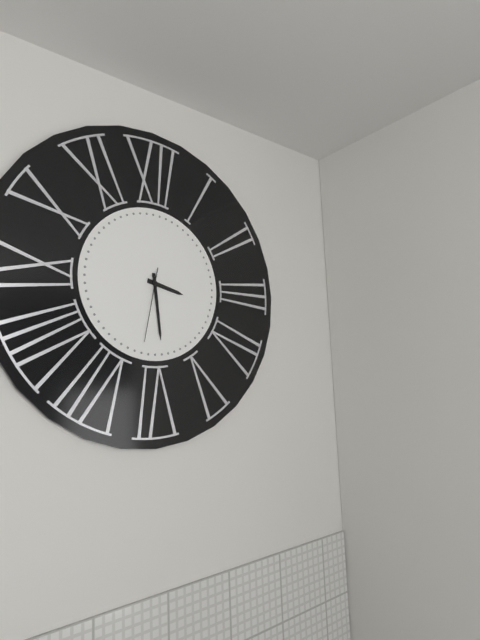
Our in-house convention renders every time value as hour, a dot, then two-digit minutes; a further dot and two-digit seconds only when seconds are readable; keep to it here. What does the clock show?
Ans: 3.29.32
